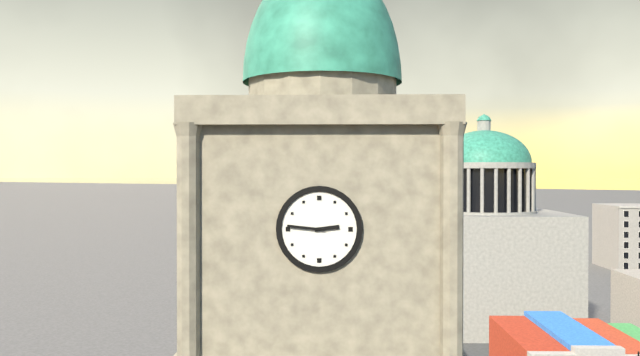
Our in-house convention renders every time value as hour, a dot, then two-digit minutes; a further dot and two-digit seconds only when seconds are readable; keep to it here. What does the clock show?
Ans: 2.46
